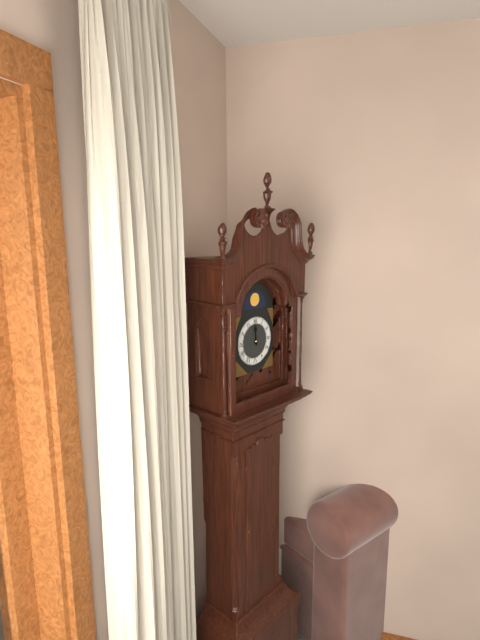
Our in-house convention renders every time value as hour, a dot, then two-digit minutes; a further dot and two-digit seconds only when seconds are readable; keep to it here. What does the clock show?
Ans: 11.59
